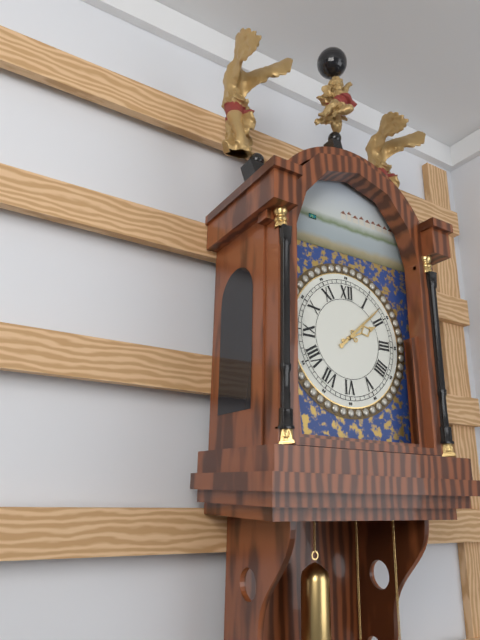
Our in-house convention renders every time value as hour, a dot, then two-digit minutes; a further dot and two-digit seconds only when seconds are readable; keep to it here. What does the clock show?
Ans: 2.08
